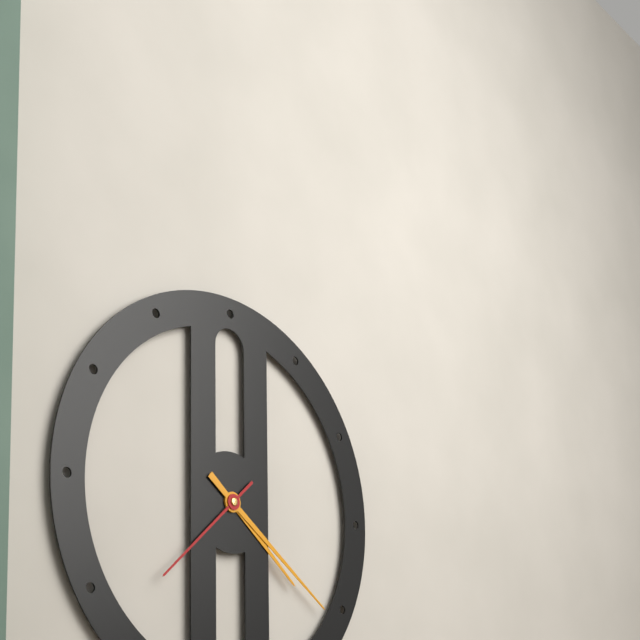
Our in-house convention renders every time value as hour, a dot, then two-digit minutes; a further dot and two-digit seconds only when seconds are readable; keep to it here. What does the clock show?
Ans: 4.21.38
